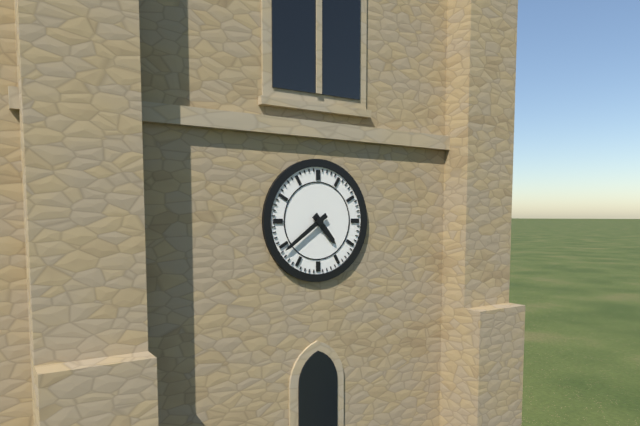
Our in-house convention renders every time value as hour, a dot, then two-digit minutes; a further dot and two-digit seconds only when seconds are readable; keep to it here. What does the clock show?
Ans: 4.39
